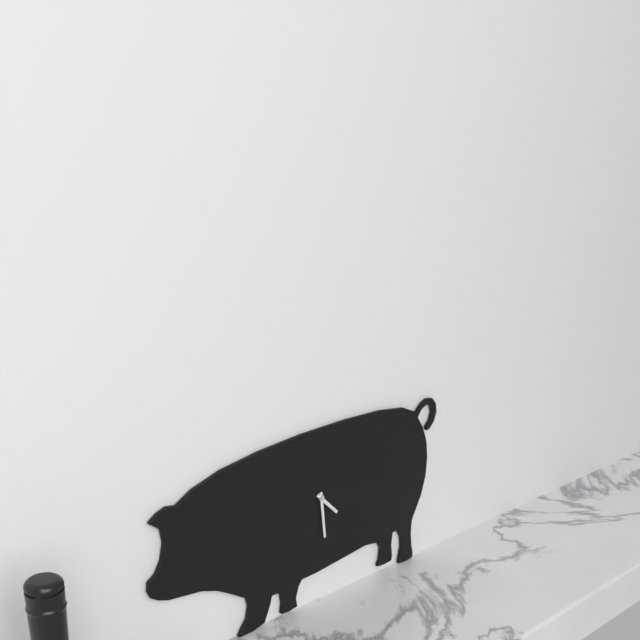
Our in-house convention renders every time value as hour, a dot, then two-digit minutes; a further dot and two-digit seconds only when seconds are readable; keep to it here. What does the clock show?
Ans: 4.29
